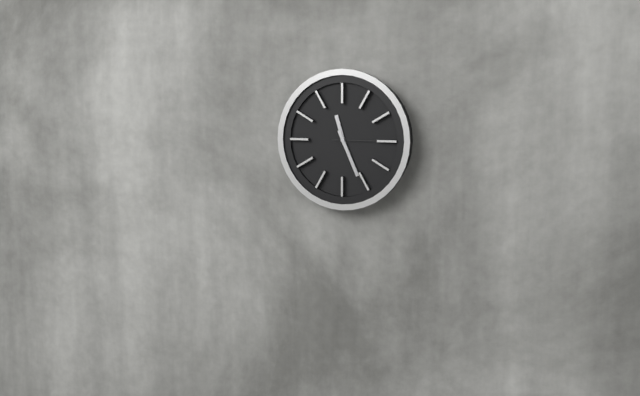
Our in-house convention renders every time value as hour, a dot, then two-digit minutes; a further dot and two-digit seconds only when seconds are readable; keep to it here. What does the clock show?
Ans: 11.26.15
